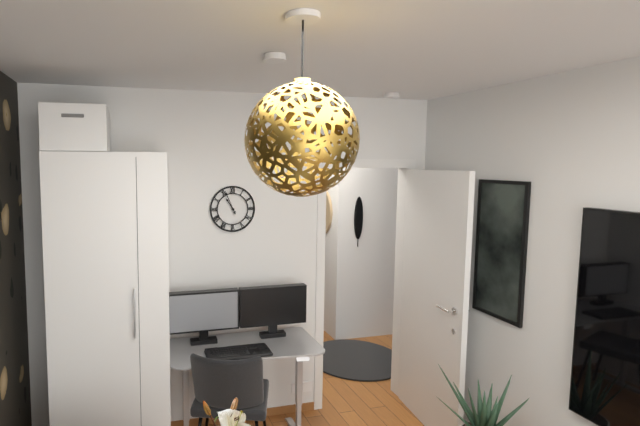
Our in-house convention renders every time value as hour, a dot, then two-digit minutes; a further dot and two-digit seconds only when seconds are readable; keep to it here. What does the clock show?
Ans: 10.56
